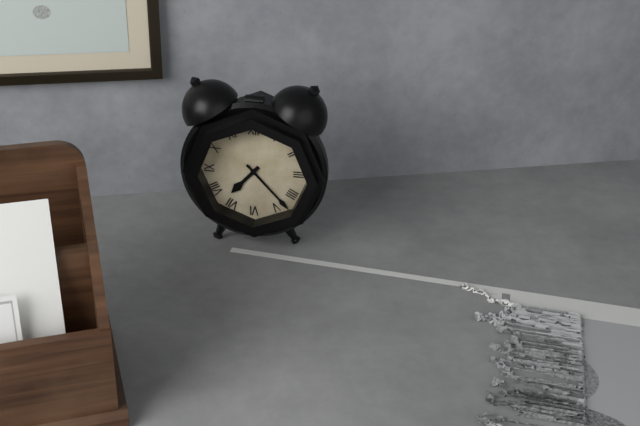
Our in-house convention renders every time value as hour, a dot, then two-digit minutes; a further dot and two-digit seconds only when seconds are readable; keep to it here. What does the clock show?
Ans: 7.23
